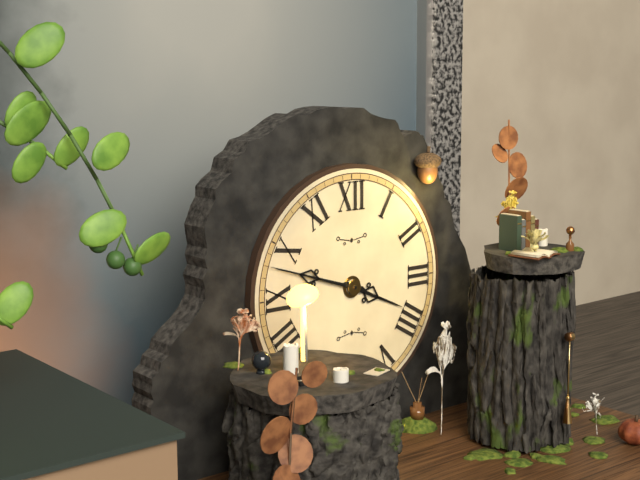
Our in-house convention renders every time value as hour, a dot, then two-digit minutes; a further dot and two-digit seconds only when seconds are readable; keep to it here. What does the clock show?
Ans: 3.48
